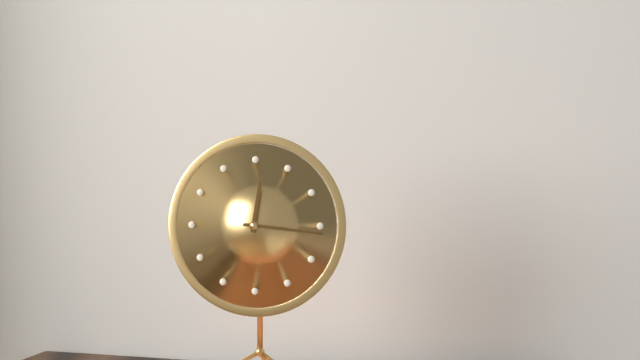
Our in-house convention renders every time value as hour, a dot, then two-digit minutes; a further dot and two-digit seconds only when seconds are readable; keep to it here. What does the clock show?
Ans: 12.16
